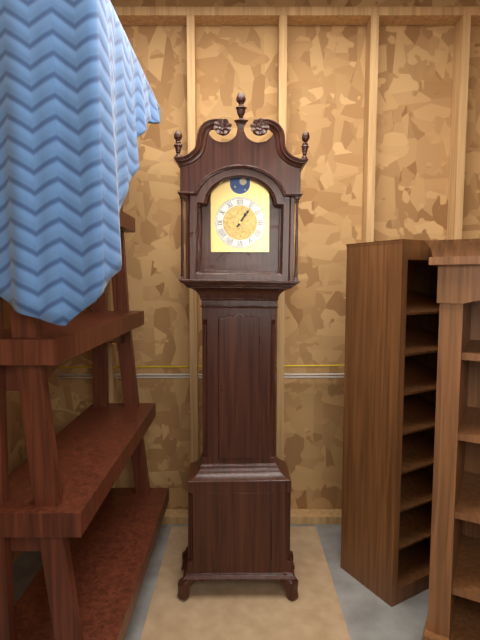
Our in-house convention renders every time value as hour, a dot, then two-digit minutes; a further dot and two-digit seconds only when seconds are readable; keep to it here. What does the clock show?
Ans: 1.06
